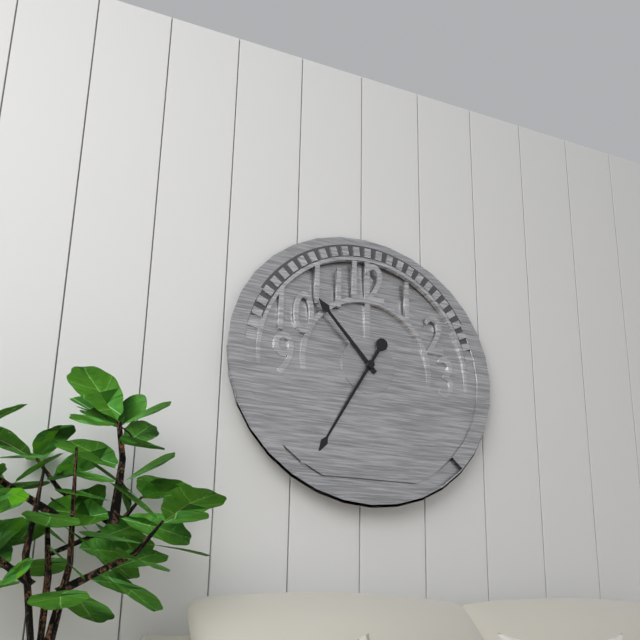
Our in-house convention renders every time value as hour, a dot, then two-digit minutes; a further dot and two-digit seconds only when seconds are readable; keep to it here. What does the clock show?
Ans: 10.35
